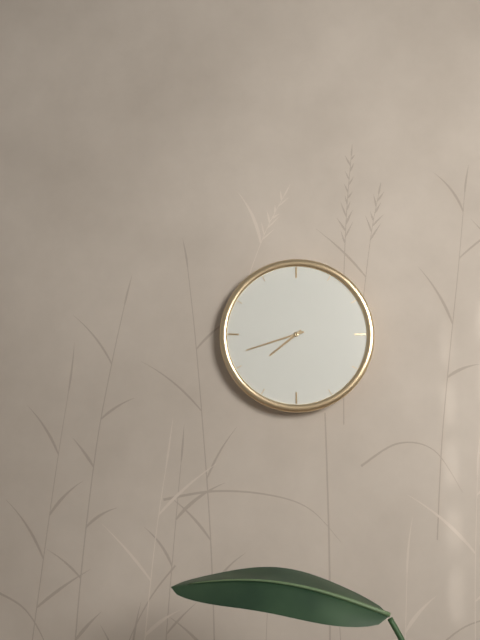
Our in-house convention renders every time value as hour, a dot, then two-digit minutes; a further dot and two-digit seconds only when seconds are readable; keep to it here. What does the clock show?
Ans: 7.42
